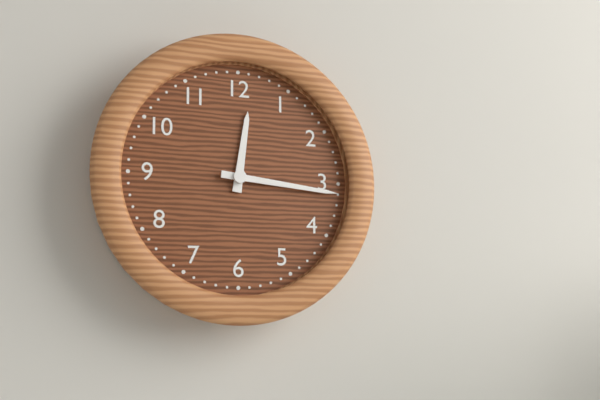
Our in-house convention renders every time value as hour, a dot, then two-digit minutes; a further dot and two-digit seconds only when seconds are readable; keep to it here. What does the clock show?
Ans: 12.16
